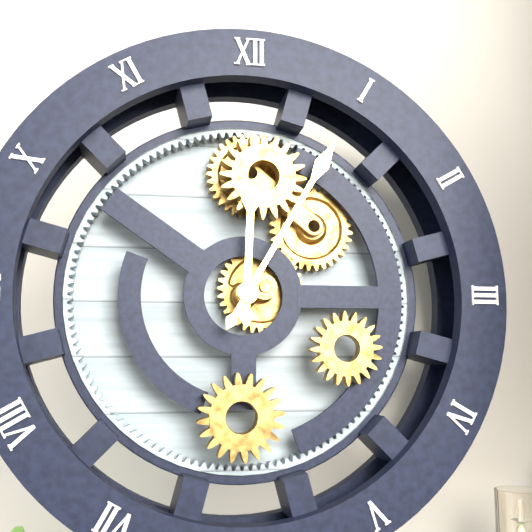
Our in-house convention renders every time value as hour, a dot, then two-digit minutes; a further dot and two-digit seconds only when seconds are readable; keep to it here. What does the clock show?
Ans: 12.05
